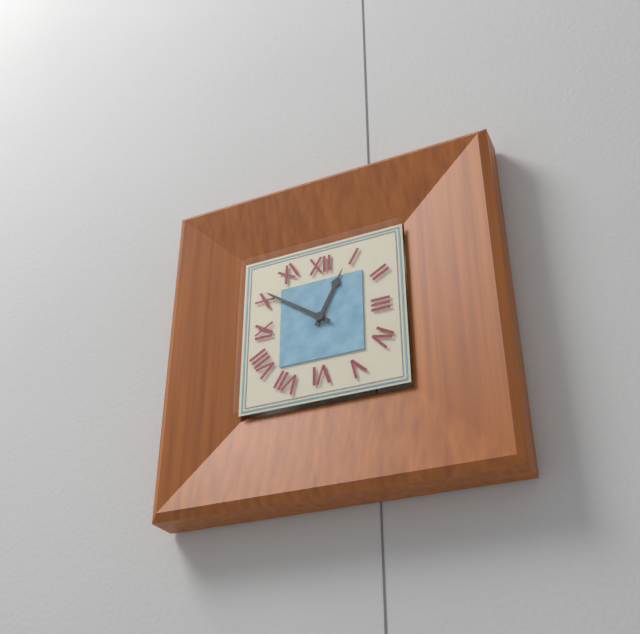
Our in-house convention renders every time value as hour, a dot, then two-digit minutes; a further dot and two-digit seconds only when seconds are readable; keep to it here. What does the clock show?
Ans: 12.51
